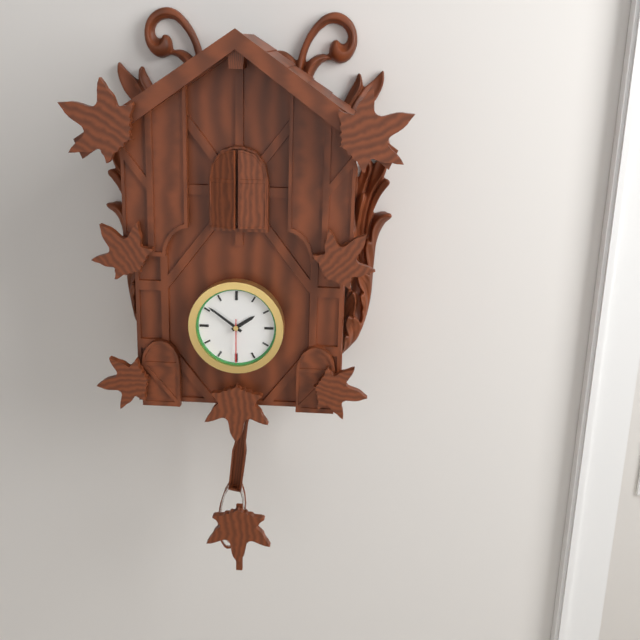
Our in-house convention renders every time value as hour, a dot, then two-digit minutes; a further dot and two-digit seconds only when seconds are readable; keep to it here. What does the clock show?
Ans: 1.51
